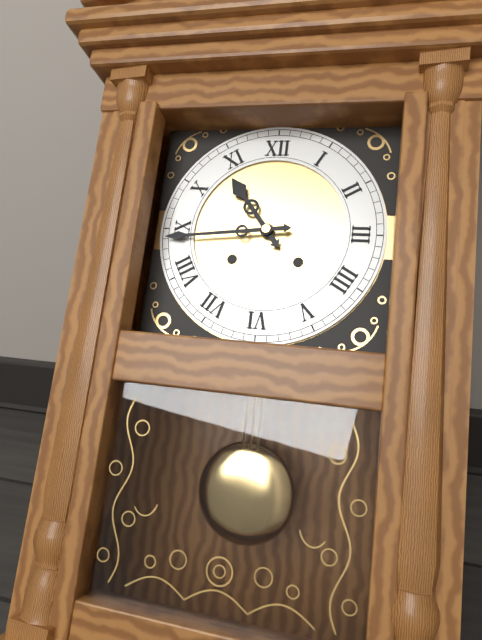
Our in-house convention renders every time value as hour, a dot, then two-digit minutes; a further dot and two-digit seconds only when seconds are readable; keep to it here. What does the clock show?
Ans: 10.44
